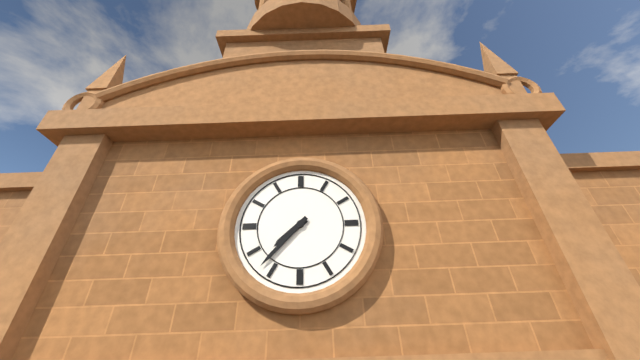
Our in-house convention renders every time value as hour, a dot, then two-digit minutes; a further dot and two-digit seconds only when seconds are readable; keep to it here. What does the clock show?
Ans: 7.37
